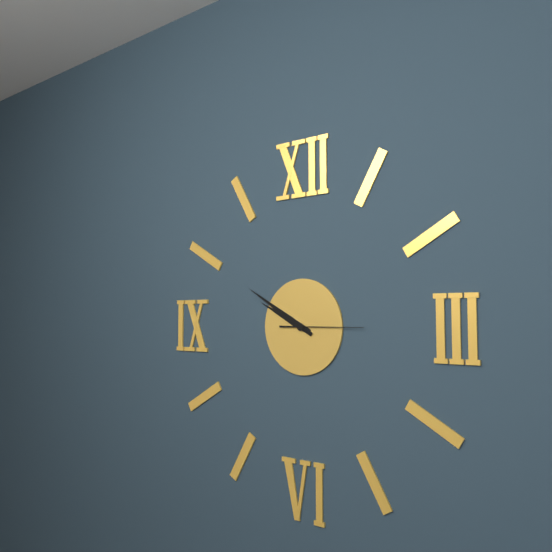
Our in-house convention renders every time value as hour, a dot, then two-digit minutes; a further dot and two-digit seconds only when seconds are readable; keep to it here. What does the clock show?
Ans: 9.50.15
